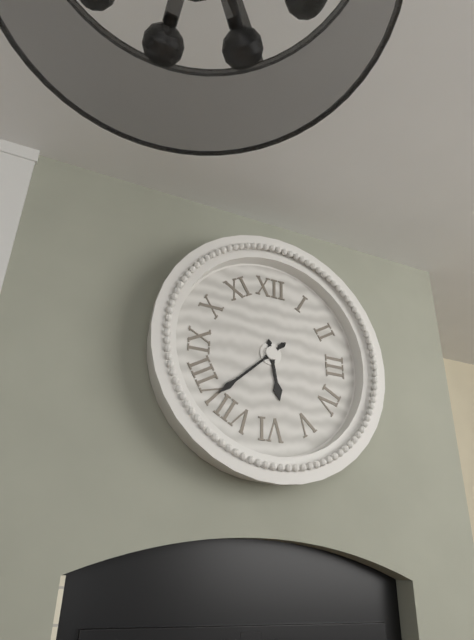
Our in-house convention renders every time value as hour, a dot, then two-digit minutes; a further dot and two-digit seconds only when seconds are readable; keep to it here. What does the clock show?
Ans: 5.38
